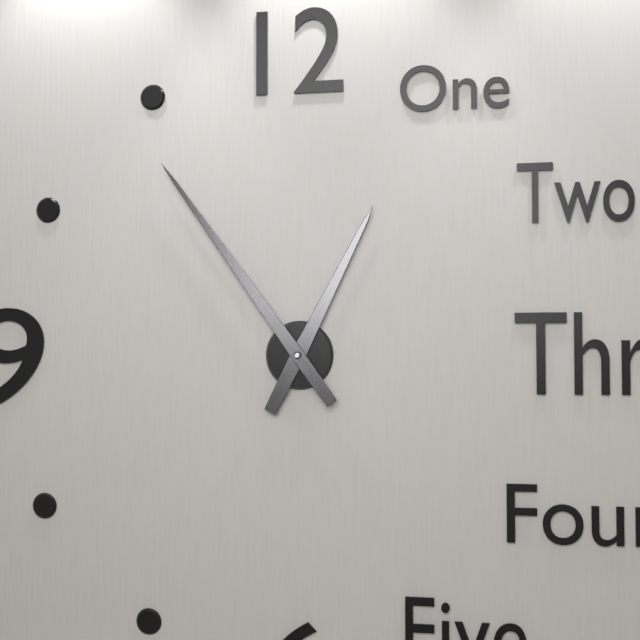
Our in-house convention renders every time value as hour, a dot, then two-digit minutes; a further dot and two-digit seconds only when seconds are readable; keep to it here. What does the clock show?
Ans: 12.54
